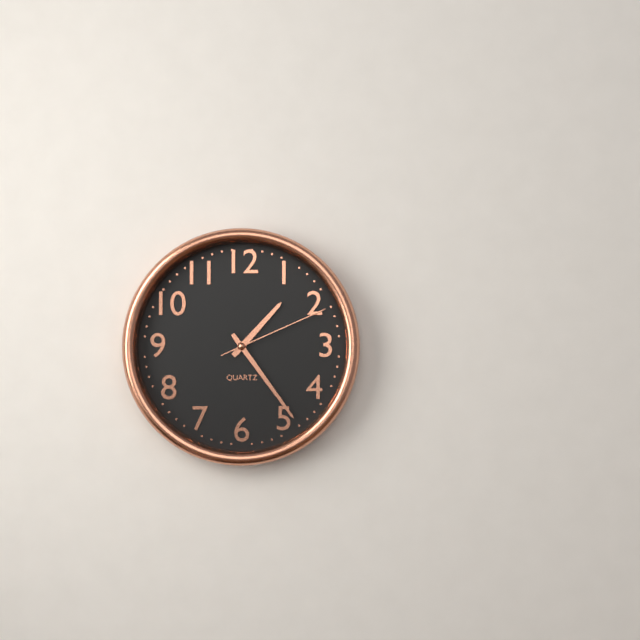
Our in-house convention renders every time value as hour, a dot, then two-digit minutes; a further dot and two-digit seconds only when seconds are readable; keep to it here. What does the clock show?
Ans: 1.24.11
